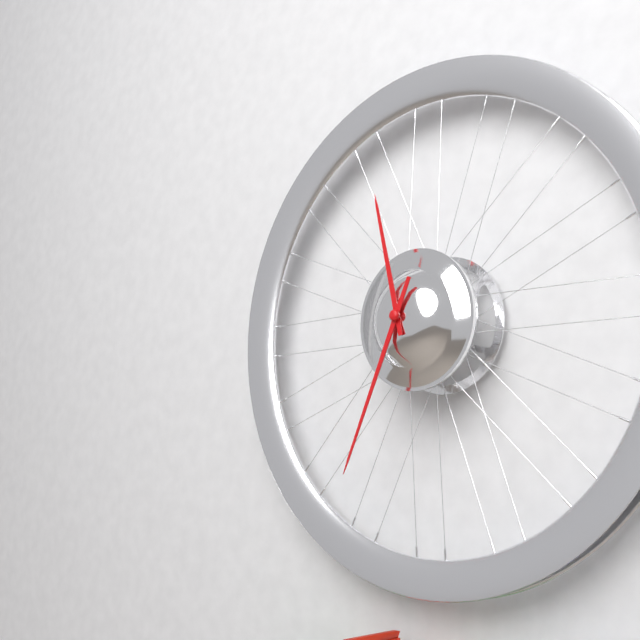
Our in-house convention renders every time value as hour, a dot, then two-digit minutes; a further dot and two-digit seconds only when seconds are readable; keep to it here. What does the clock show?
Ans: 11.34
